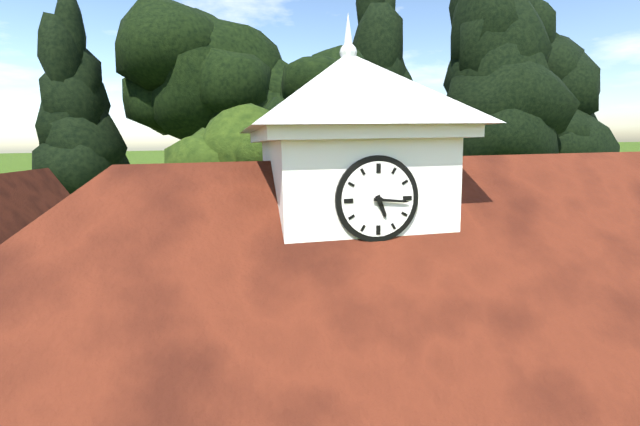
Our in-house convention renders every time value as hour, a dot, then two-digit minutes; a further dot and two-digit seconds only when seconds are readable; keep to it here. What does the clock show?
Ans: 5.16
